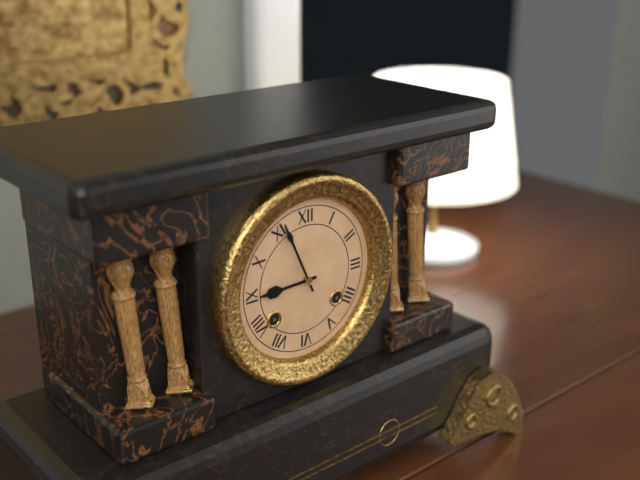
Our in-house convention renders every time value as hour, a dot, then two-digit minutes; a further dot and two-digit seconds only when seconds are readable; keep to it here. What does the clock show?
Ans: 8.56
